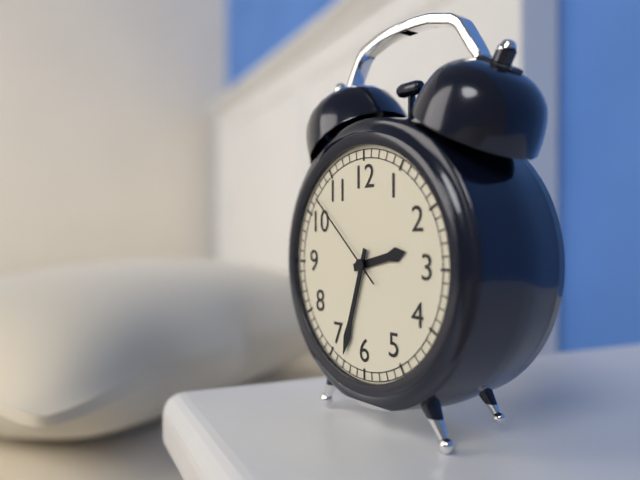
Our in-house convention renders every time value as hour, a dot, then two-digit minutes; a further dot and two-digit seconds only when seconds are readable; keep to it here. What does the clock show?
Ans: 2.33.52
